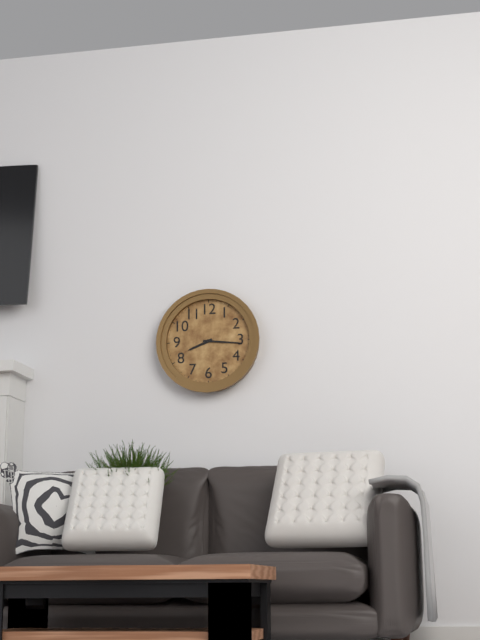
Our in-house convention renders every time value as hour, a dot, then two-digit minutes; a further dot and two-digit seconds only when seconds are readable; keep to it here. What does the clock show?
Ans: 8.16
